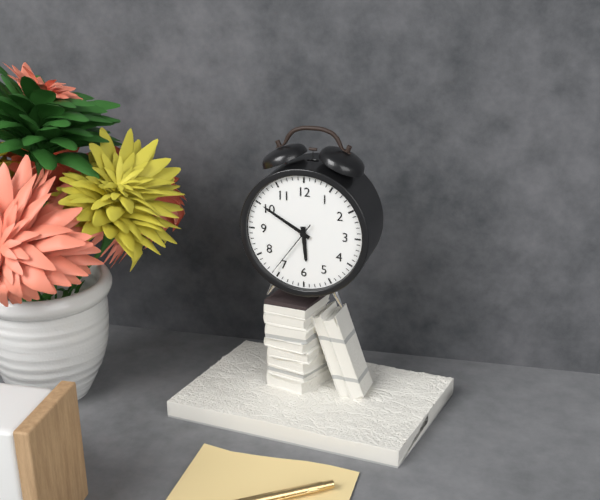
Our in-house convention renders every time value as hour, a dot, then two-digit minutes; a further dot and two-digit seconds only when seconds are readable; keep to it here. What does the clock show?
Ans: 5.50.36
